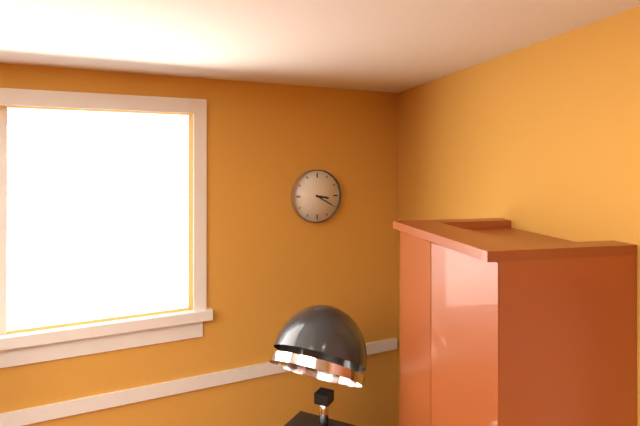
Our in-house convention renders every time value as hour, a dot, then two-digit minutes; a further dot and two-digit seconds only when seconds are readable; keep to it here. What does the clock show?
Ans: 3.20
